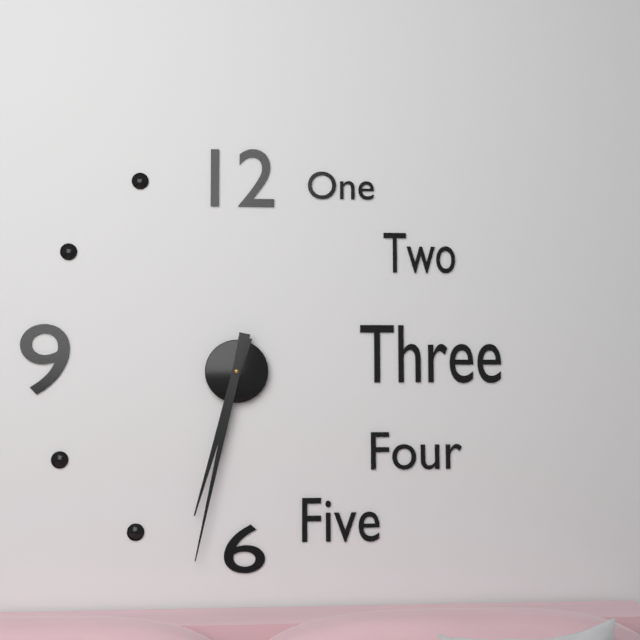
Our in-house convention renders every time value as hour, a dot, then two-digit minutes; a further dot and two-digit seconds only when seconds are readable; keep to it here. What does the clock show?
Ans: 6.32
